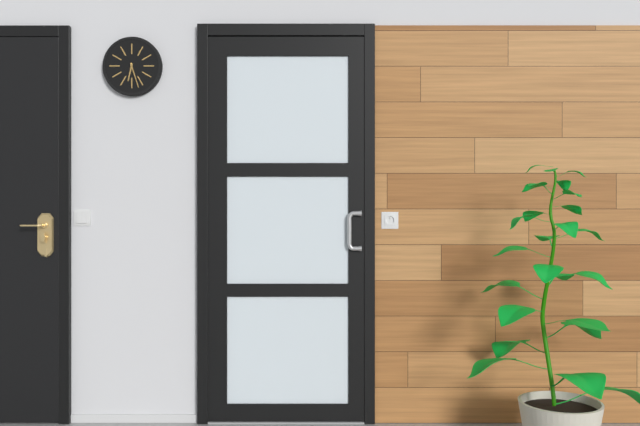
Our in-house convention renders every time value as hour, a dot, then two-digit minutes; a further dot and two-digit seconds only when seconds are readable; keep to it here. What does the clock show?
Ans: 6.27
